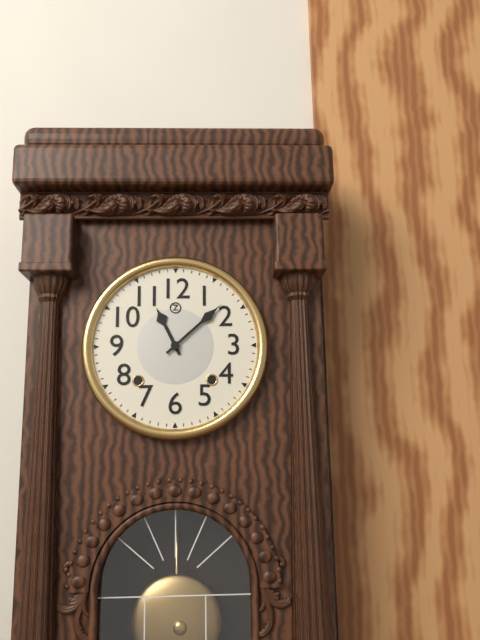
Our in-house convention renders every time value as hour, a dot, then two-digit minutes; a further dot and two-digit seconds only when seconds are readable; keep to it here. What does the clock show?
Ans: 11.08
